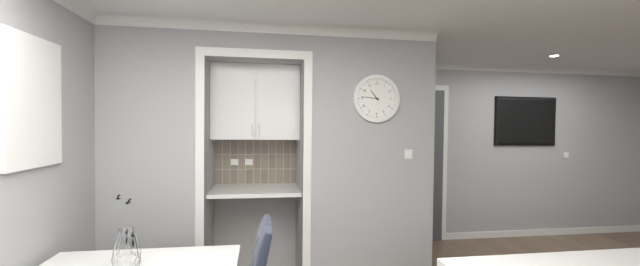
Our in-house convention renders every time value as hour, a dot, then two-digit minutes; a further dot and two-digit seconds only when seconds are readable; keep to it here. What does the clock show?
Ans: 10.46
